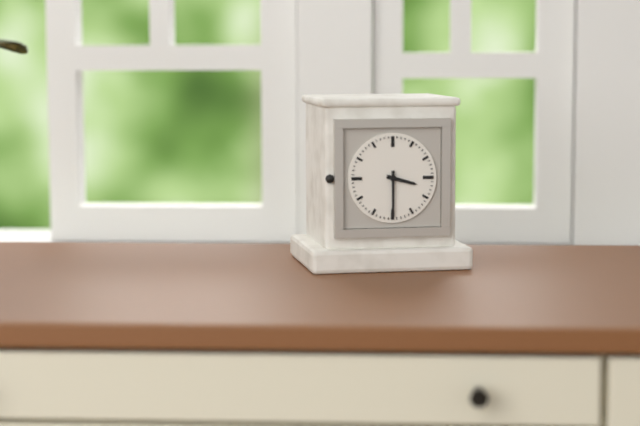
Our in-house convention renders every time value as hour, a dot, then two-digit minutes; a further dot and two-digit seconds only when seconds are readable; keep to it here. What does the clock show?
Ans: 3.30
